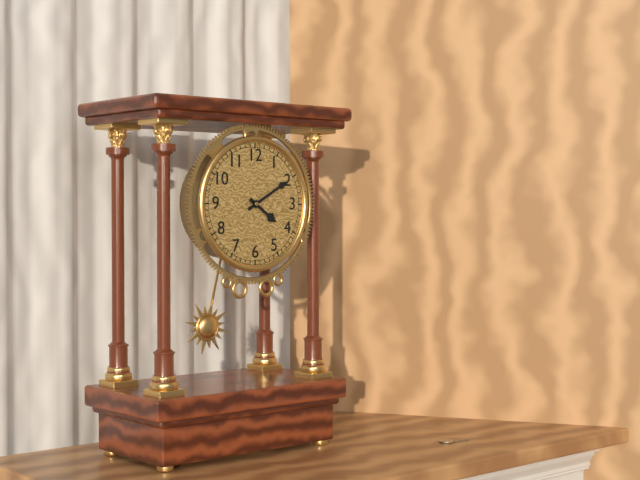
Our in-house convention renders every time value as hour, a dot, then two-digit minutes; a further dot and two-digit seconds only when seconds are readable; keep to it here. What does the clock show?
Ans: 4.10
